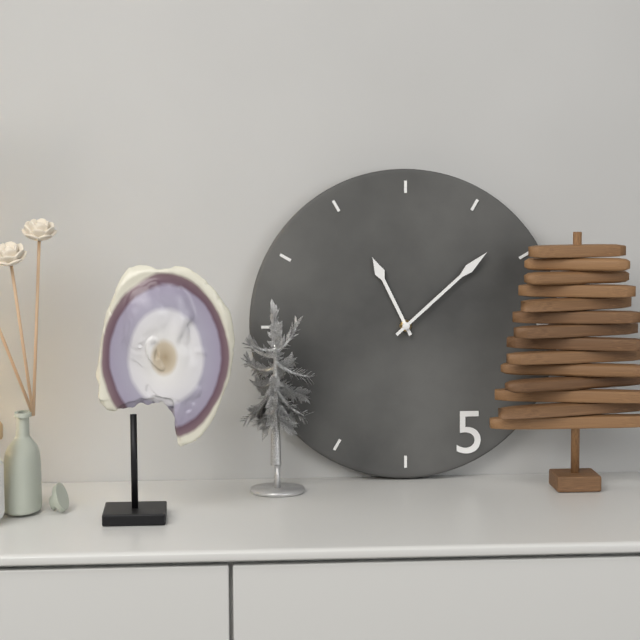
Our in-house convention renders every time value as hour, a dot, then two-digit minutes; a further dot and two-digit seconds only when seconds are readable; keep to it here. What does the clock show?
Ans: 11.08
